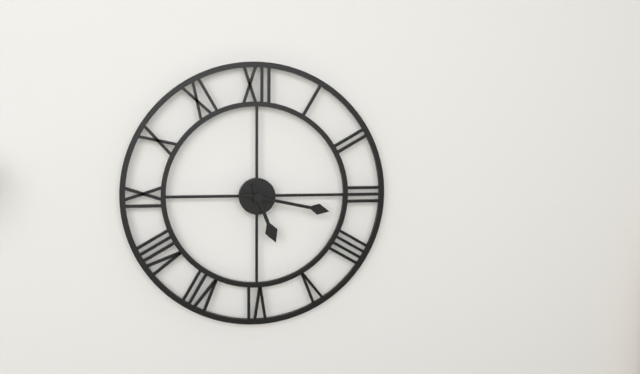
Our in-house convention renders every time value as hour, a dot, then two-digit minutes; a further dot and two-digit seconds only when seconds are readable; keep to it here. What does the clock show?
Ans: 5.17
